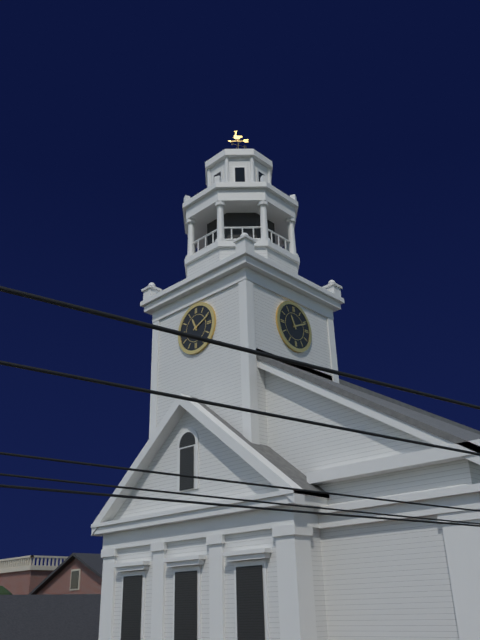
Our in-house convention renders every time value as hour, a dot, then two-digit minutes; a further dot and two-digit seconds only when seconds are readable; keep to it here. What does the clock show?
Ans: 11.11
